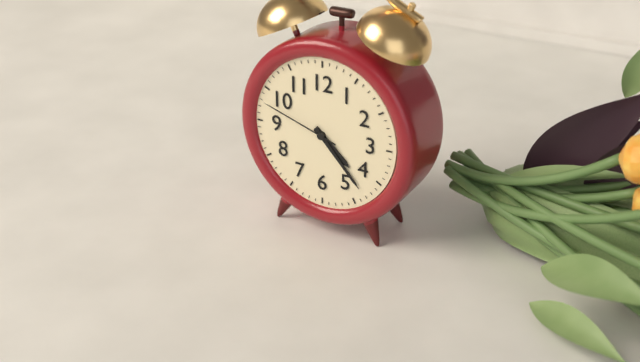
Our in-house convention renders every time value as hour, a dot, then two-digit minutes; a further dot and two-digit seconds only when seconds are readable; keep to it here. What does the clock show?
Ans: 4.23.48
